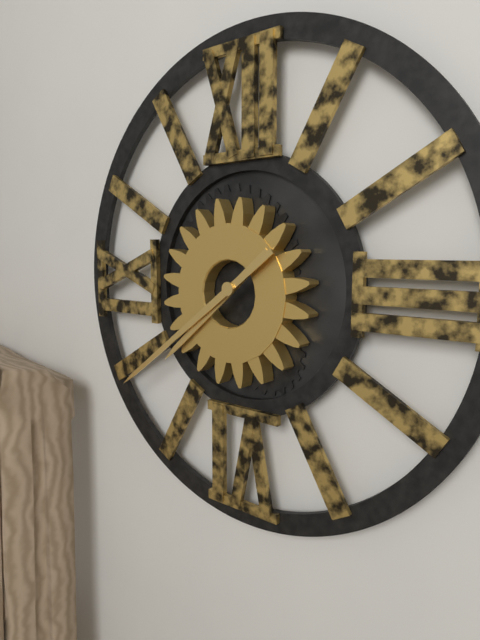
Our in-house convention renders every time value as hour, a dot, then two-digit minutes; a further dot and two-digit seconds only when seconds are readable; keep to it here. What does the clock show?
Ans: 7.39
